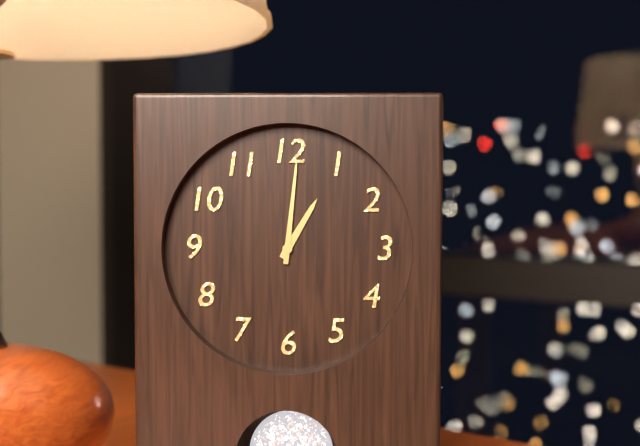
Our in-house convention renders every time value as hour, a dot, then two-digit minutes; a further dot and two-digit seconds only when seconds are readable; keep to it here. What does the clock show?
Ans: 1.01
